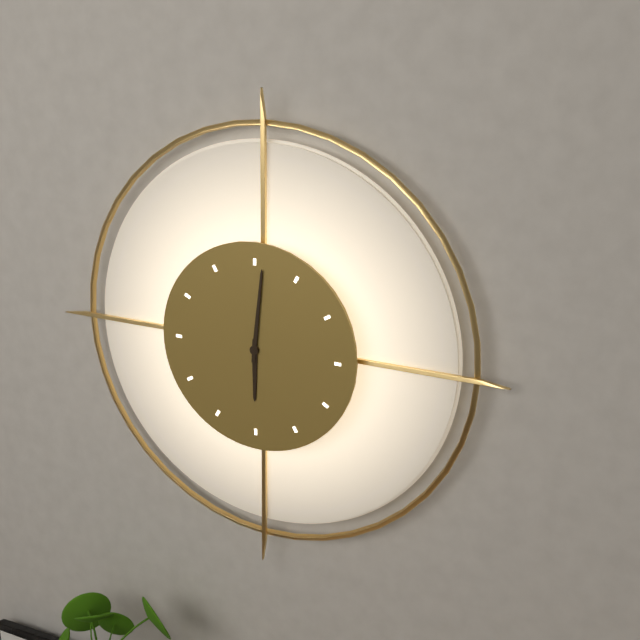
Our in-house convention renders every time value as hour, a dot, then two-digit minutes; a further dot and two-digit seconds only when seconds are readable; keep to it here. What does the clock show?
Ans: 6.01
